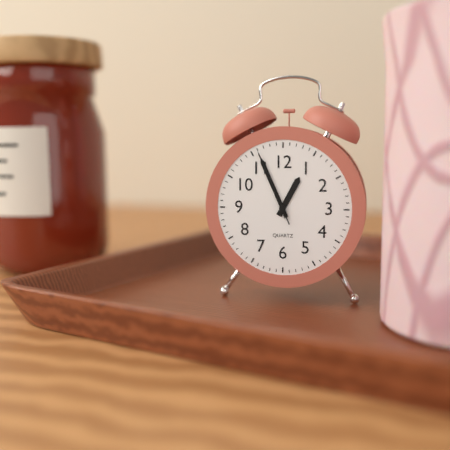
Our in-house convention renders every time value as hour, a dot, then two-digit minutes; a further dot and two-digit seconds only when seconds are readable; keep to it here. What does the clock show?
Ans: 12.56.56
